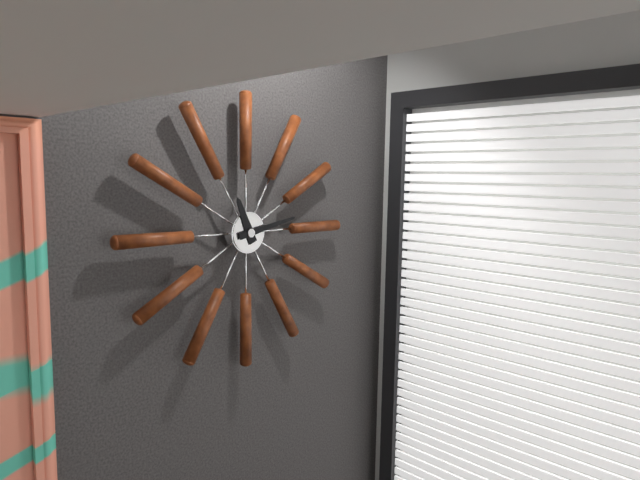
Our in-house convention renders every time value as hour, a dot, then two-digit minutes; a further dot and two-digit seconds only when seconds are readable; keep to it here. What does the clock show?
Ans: 11.13
